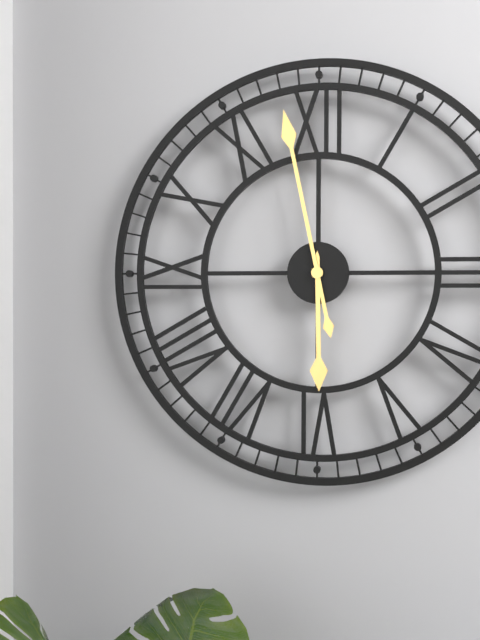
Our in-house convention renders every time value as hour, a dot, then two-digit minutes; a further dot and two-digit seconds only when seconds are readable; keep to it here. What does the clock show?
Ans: 5.58
